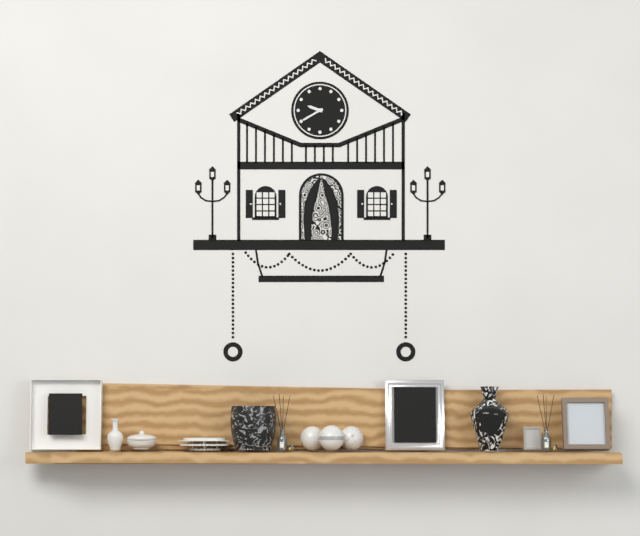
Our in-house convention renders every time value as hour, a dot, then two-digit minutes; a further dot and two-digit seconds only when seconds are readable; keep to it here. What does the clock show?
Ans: 9.40
